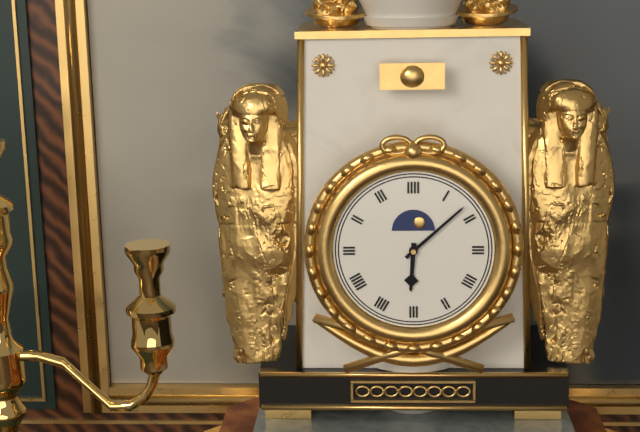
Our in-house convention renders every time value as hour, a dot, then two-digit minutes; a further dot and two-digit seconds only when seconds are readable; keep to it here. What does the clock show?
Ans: 6.08
